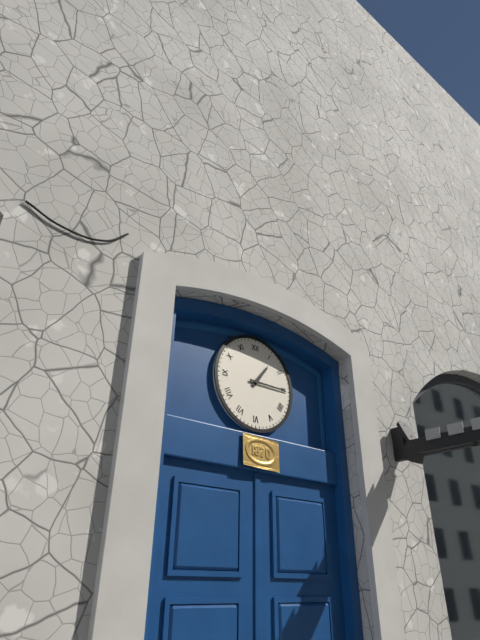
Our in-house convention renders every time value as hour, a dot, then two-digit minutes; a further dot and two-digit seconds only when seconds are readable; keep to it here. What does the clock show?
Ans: 1.15
